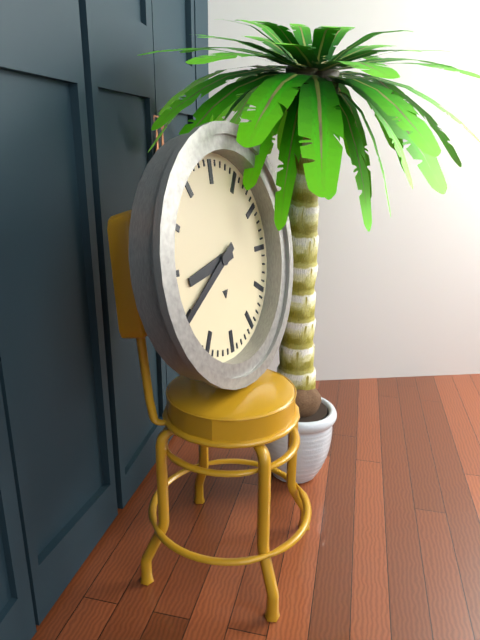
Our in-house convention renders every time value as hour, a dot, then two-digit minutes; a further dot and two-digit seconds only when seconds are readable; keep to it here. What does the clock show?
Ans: 8.40
